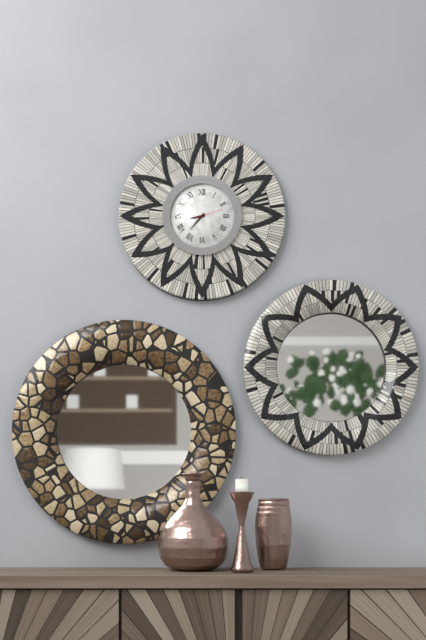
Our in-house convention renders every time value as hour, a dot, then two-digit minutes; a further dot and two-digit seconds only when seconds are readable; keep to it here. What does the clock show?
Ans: 8.37
